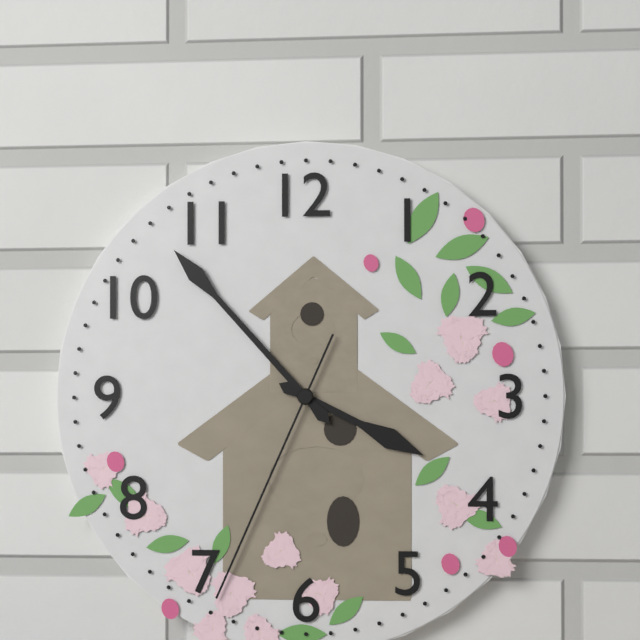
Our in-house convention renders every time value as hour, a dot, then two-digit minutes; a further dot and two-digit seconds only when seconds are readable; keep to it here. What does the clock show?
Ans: 3.53.34
